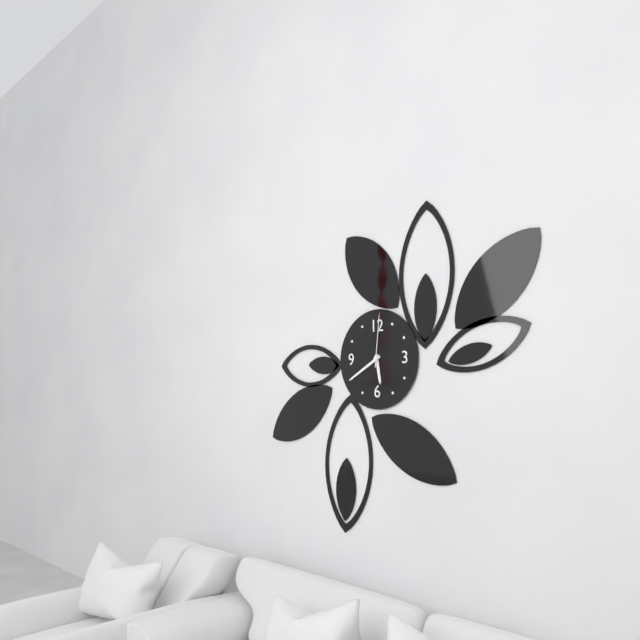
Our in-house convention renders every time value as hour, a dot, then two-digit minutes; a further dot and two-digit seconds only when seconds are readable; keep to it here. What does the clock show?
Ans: 5.40.01
